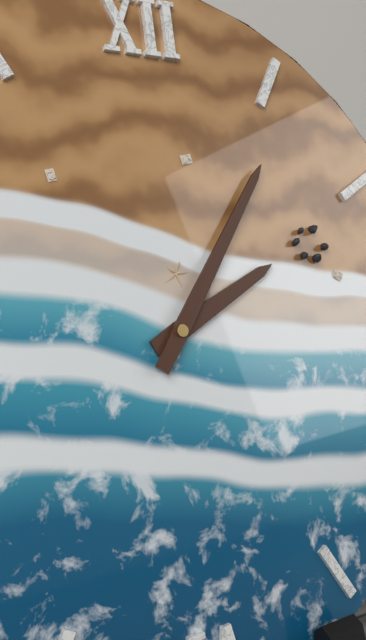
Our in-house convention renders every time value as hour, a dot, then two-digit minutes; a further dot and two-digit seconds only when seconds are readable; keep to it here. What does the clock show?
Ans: 2.06
